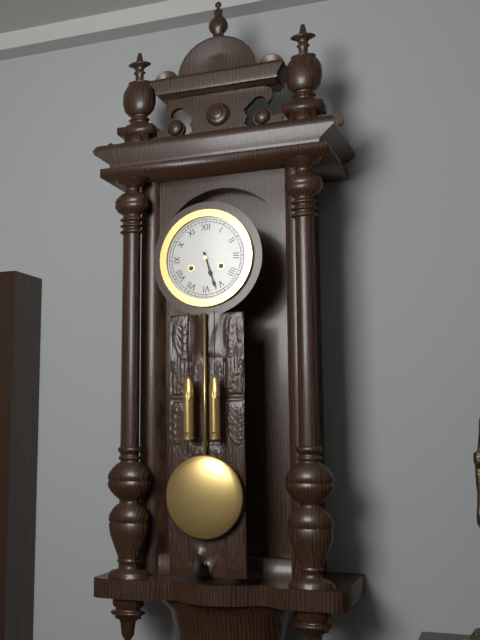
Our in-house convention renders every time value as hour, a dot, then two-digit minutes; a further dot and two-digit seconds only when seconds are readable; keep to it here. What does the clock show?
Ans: 5.27
